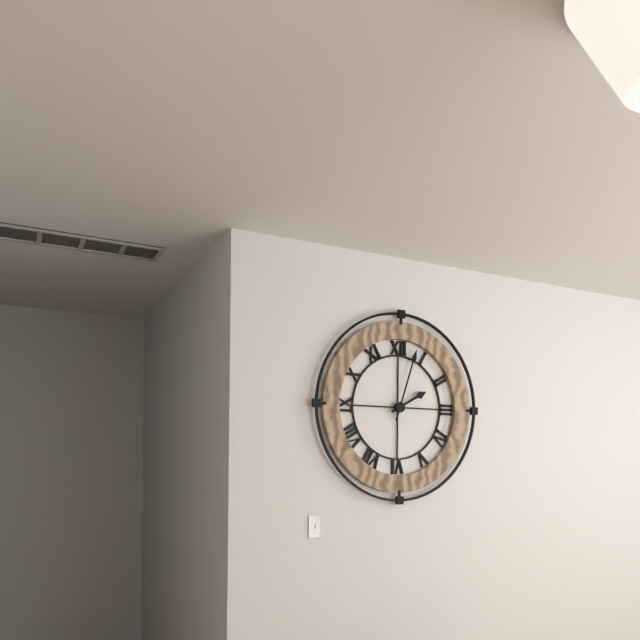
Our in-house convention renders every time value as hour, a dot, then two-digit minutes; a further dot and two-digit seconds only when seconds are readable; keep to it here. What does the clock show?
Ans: 2.03
